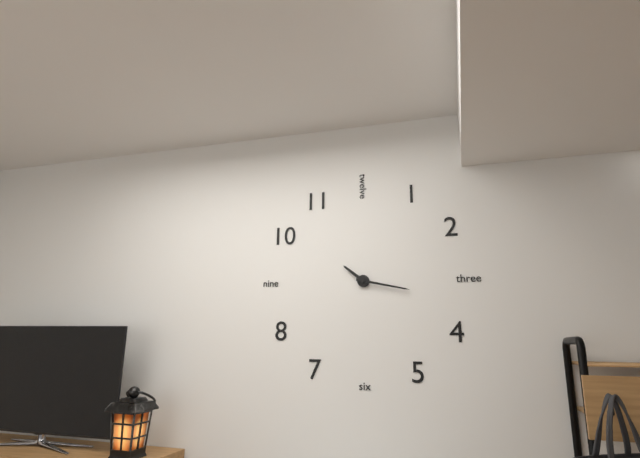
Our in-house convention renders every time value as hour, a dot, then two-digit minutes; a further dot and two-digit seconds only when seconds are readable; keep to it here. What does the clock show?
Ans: 10.17
